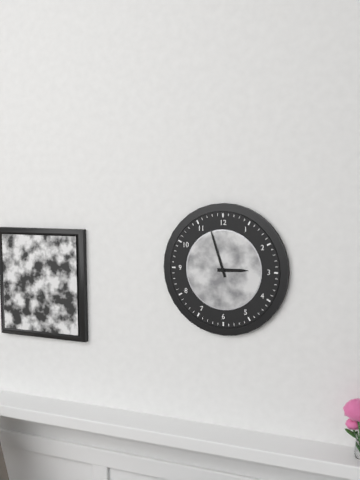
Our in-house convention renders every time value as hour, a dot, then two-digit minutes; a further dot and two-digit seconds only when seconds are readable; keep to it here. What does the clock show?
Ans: 2.57
